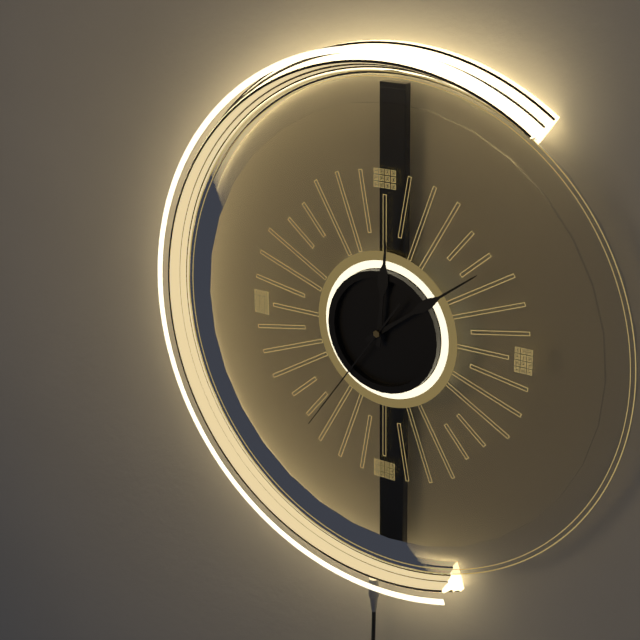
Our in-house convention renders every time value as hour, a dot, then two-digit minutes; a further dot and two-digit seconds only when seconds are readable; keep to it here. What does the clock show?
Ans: 12.09.36
